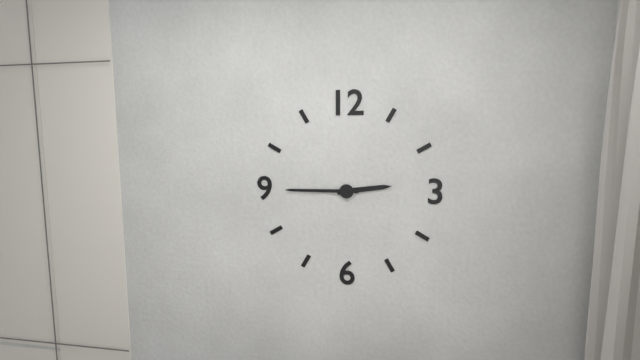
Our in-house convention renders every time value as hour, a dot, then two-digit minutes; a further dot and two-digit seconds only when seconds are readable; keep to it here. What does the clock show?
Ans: 2.45
